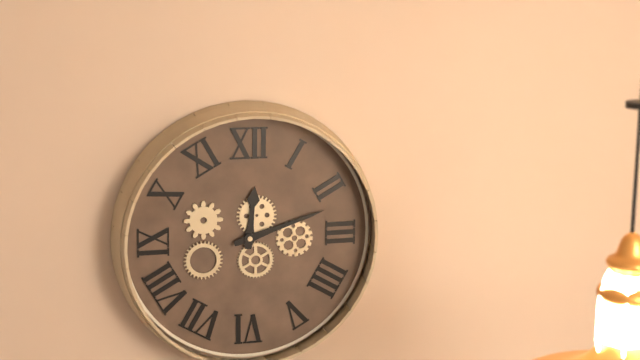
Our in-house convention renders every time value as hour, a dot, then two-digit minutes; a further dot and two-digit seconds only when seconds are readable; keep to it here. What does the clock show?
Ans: 12.12
